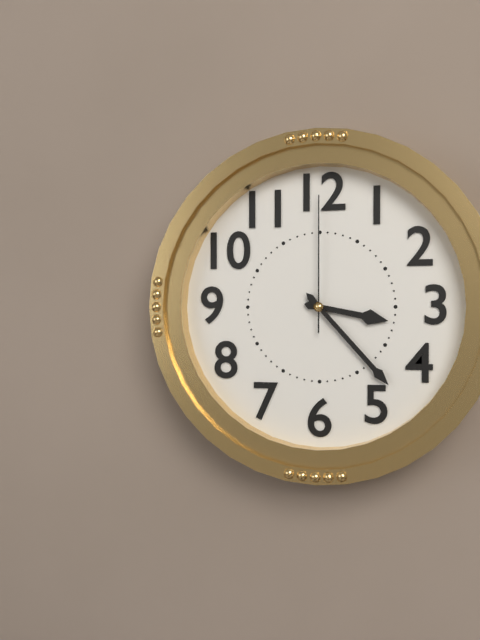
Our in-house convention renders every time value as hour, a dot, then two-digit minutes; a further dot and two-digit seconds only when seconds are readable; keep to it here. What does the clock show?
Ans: 3.23.00
